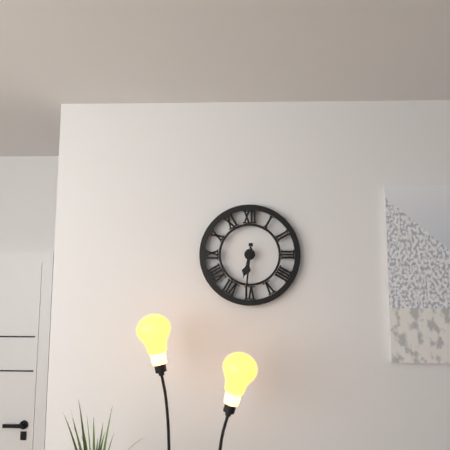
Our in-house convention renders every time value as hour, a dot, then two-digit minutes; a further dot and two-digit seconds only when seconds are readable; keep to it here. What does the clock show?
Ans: 6.31
